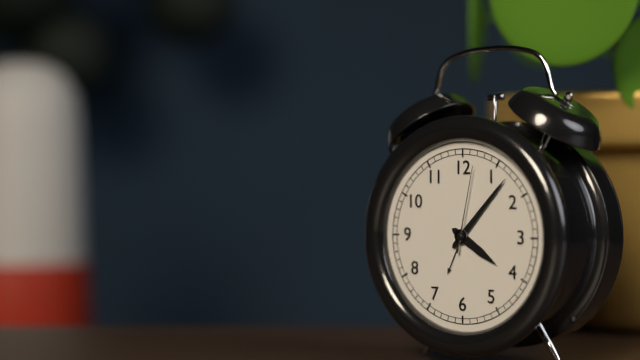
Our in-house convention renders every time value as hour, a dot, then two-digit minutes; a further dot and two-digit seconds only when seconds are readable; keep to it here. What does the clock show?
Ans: 4.07.02
